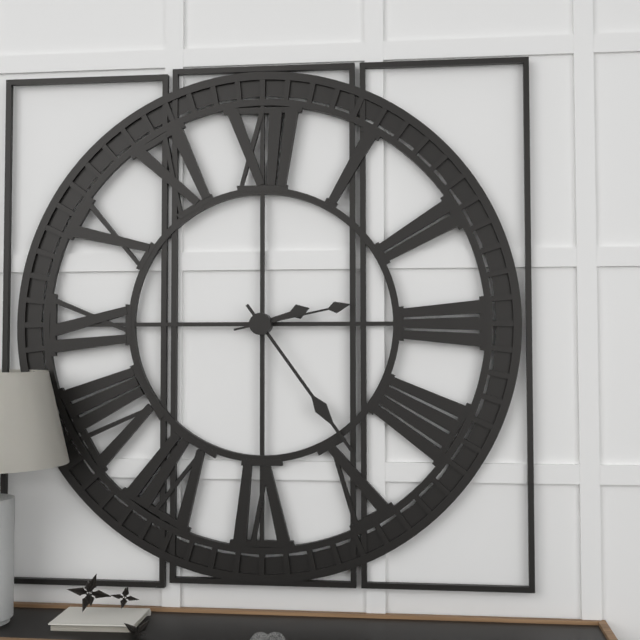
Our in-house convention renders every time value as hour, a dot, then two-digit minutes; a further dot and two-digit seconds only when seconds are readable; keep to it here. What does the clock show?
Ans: 2.24.13
